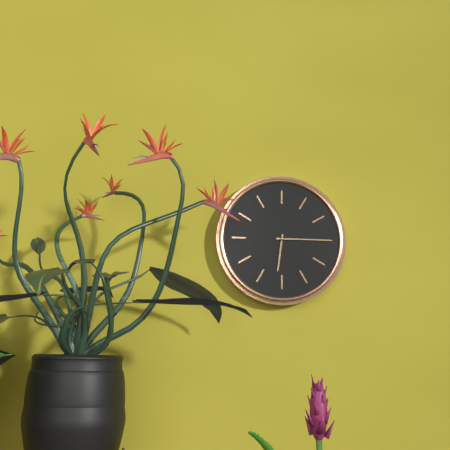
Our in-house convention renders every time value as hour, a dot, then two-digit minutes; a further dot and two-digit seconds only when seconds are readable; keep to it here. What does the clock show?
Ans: 6.15
